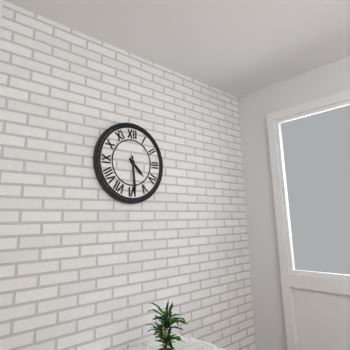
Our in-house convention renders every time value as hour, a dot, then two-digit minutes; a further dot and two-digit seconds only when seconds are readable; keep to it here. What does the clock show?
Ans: 4.29
